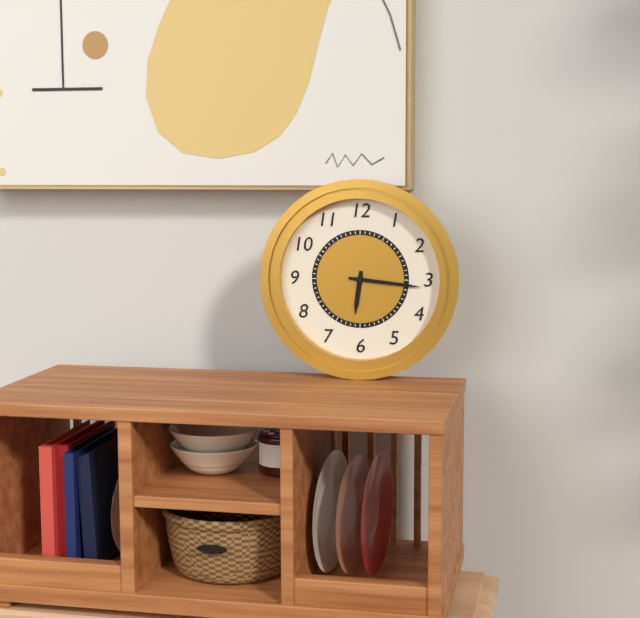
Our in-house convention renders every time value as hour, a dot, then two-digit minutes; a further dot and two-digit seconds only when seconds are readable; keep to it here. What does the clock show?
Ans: 6.16
